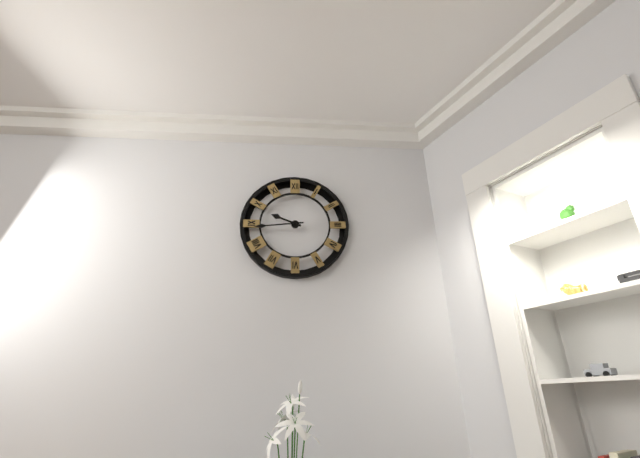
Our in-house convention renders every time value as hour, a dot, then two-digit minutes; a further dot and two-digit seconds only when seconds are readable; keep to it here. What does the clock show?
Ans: 9.44
